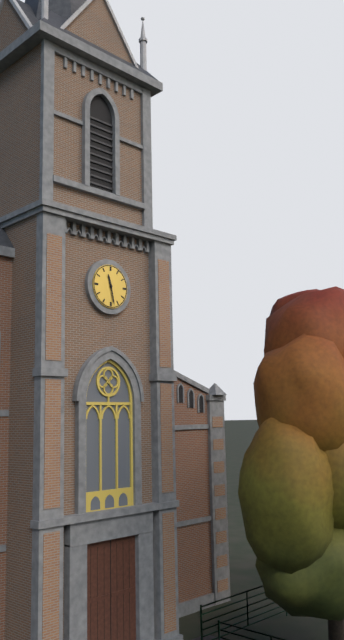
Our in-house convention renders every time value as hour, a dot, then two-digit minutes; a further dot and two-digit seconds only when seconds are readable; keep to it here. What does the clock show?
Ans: 11.28
